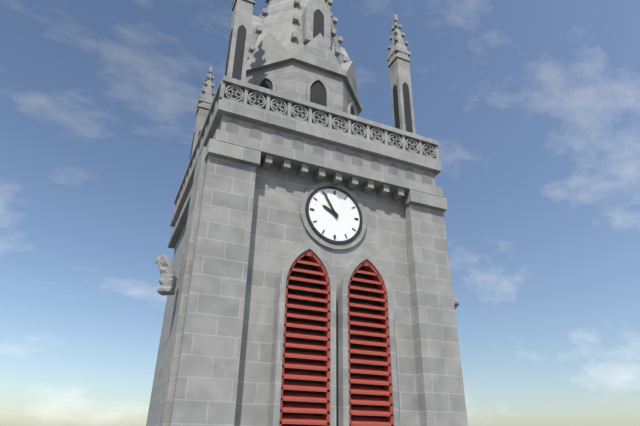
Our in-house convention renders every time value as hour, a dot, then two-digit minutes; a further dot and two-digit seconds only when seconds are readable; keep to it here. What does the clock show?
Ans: 9.55
